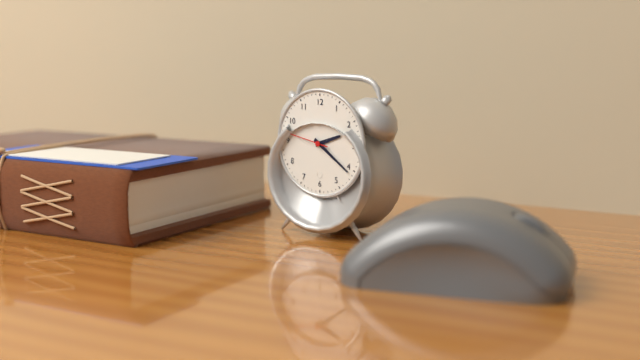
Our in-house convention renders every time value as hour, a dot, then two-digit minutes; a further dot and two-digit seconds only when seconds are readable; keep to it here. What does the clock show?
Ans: 2.21
